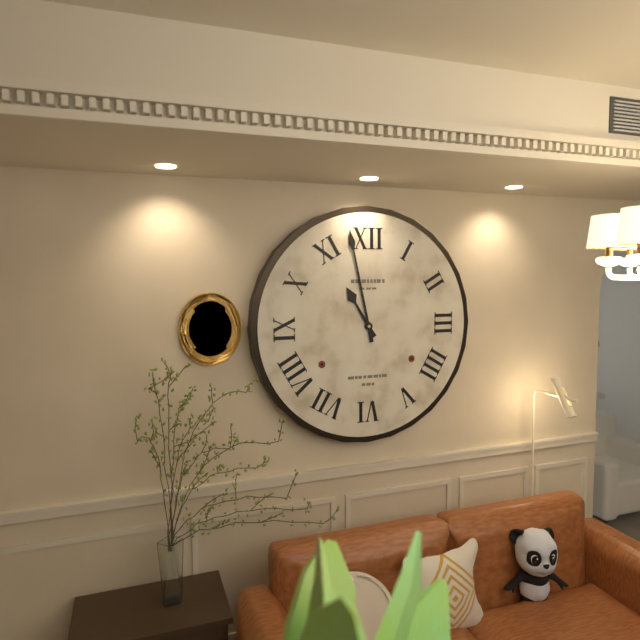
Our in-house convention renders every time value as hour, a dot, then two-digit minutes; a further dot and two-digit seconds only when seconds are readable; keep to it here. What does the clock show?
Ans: 10.58
